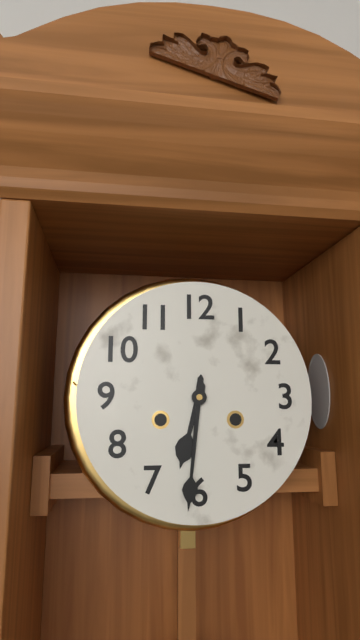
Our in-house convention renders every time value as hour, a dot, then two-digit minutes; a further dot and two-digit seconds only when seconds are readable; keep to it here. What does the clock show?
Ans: 6.31
